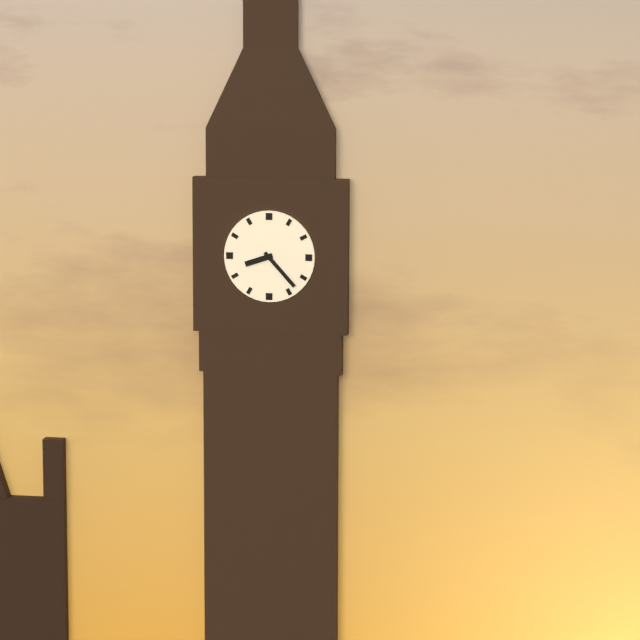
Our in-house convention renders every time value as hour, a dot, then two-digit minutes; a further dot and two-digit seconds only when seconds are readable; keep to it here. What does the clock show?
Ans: 8.23
